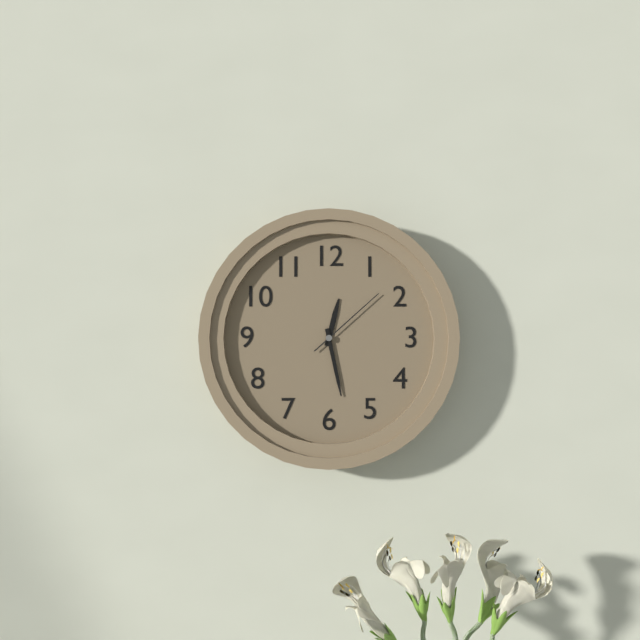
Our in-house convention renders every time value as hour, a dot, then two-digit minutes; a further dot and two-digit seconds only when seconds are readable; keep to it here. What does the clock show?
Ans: 12.28.08
